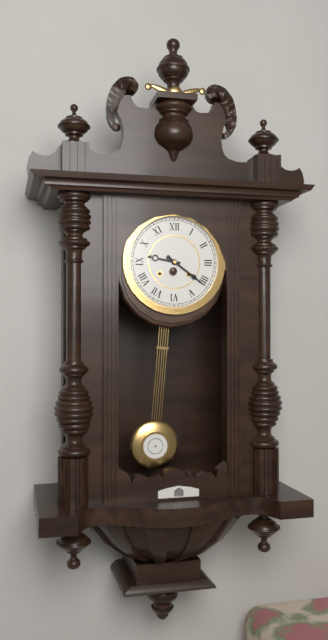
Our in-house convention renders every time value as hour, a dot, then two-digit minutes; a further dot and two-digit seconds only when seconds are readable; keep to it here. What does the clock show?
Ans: 9.21
